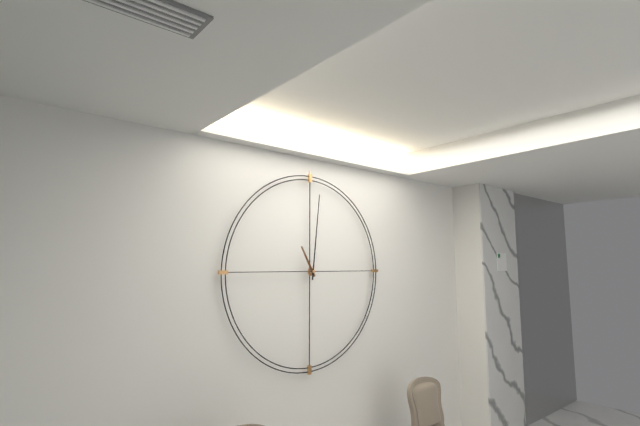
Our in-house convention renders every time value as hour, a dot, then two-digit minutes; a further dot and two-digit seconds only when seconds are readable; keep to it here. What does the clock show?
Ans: 11.01
